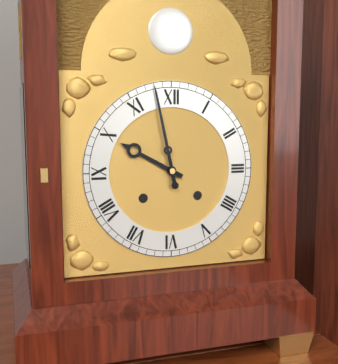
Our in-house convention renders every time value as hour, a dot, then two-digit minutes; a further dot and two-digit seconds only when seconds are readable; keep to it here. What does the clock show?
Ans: 9.58
